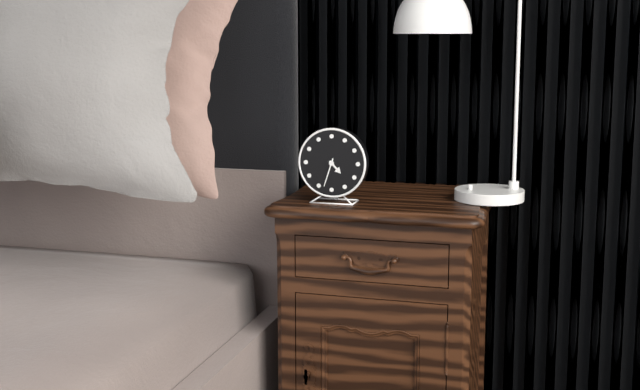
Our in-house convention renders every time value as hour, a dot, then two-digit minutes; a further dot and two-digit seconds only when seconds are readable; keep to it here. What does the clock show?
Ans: 4.33
